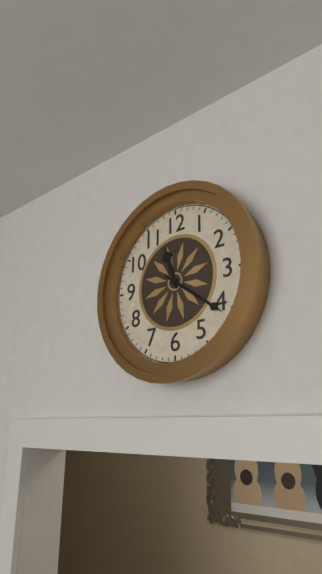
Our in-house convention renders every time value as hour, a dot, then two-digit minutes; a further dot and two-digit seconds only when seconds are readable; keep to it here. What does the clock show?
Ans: 11.21
